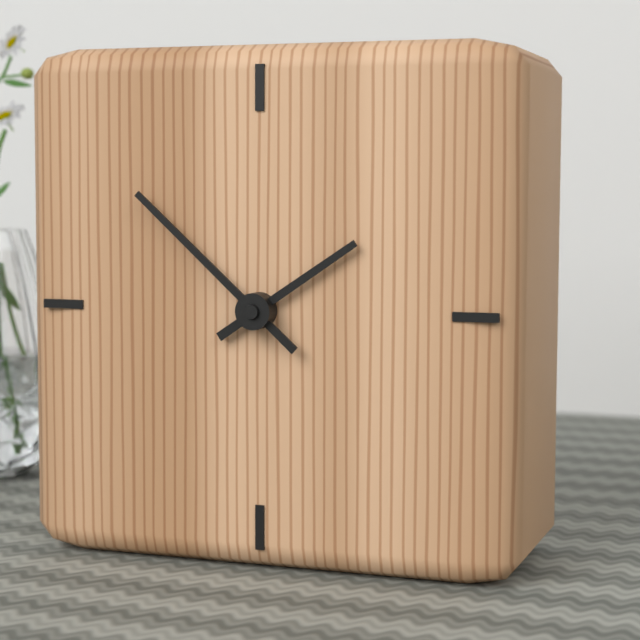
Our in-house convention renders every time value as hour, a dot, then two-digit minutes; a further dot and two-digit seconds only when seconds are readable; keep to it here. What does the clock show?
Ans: 1.52
